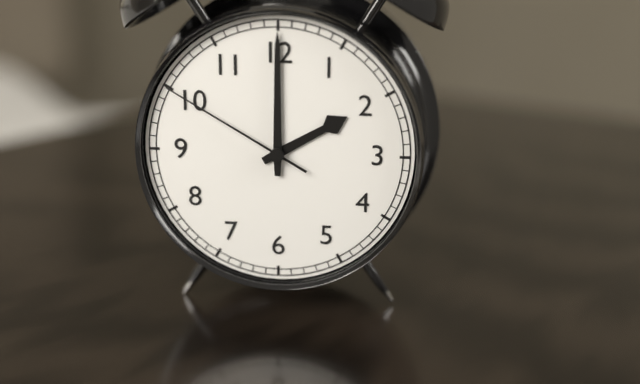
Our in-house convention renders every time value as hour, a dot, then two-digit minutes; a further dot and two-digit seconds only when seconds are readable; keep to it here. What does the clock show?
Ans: 2.00.50
